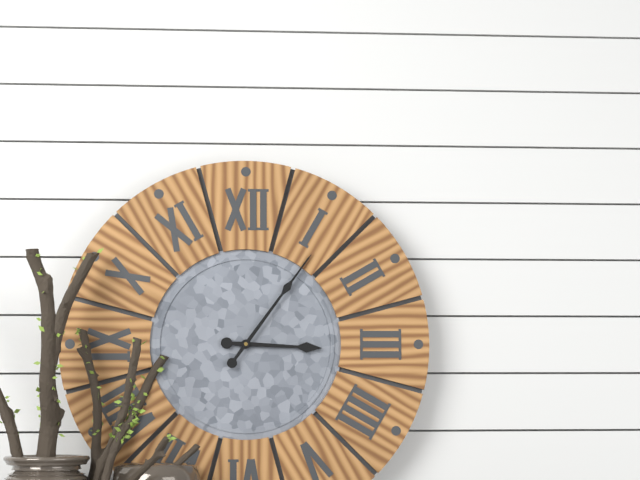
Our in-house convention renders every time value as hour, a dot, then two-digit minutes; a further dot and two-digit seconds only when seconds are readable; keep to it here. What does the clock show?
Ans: 3.06
